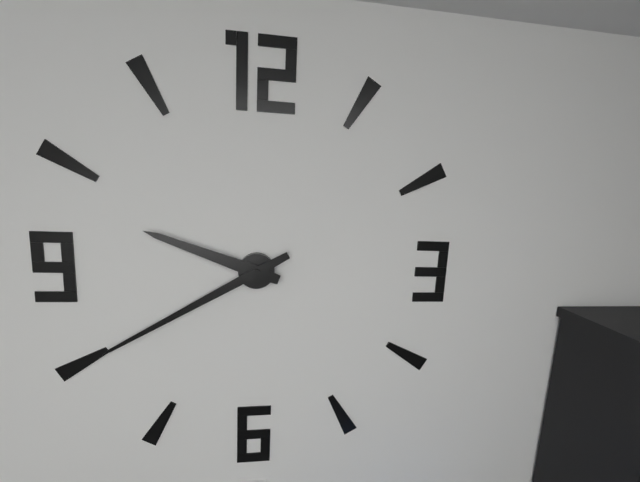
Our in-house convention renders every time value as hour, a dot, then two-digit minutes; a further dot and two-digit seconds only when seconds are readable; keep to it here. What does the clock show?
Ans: 9.40
